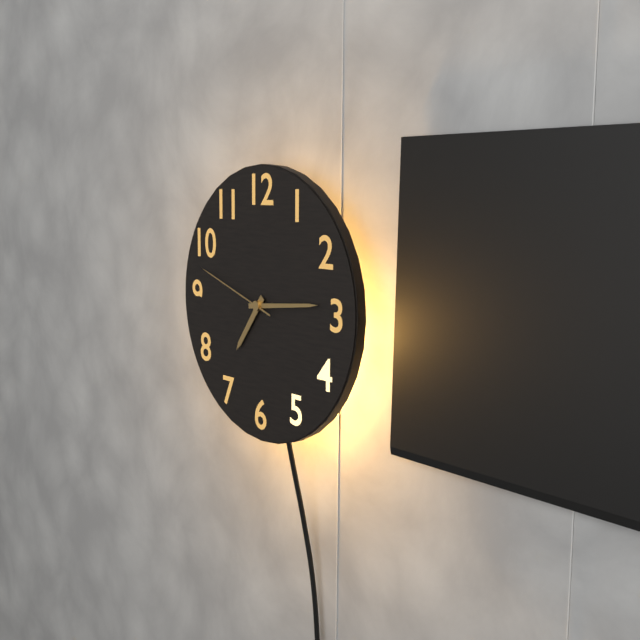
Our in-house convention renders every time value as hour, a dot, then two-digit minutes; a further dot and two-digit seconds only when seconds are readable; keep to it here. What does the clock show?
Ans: 7.14.48
